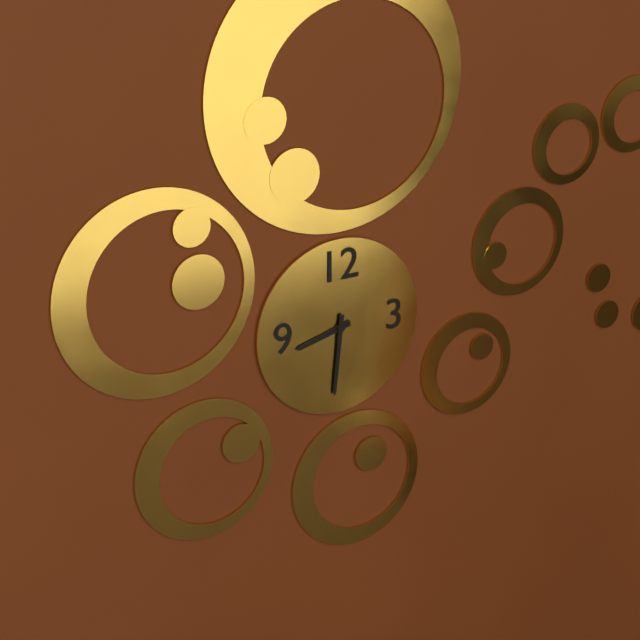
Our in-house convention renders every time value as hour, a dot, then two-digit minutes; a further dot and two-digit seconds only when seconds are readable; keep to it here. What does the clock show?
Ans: 8.31
